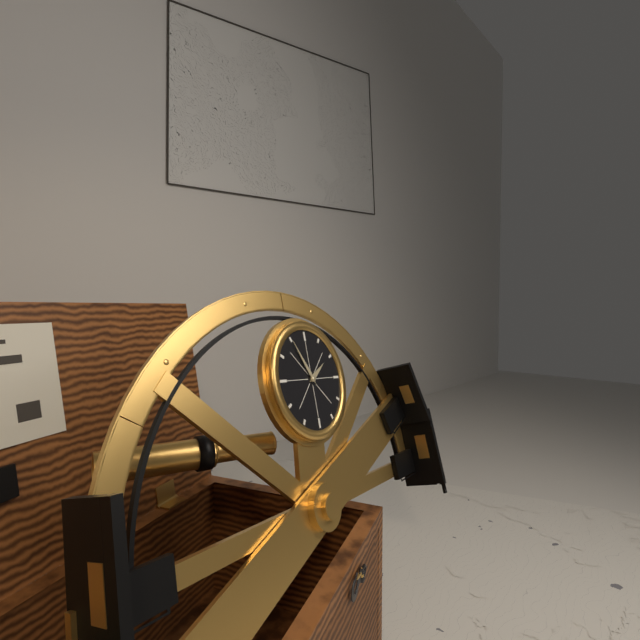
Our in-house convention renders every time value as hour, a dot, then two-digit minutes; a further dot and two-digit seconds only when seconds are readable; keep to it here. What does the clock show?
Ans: 1.55
